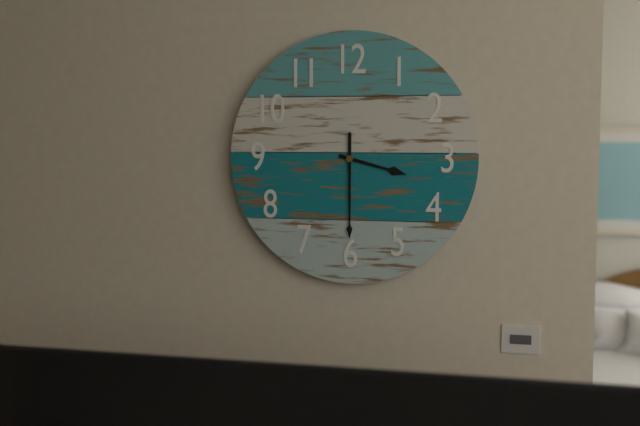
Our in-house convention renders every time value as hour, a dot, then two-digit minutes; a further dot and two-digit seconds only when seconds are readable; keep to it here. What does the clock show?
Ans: 3.30
